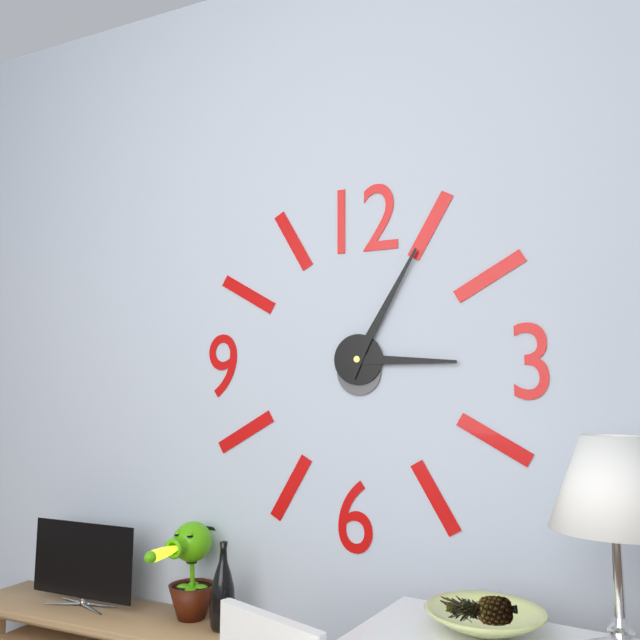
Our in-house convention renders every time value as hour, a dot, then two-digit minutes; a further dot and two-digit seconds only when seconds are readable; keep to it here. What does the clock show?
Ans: 3.05
